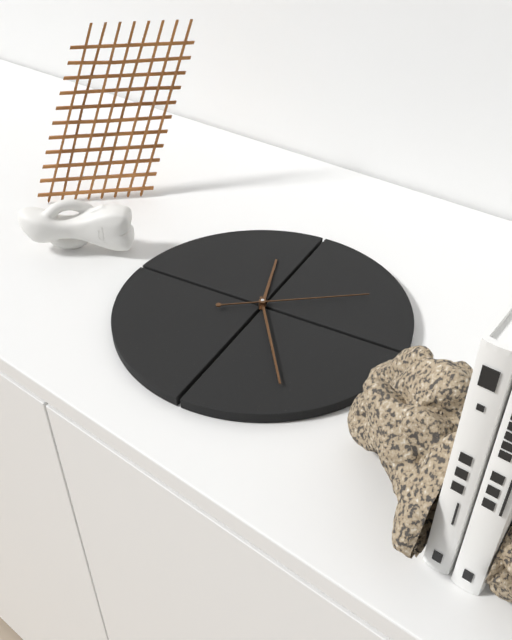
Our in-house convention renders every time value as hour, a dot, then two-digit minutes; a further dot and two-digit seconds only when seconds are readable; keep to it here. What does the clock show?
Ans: 11.24.09
